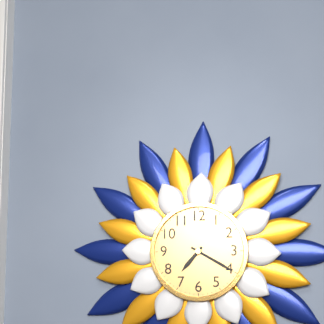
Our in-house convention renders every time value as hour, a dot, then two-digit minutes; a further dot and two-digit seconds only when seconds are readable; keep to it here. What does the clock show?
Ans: 7.20
